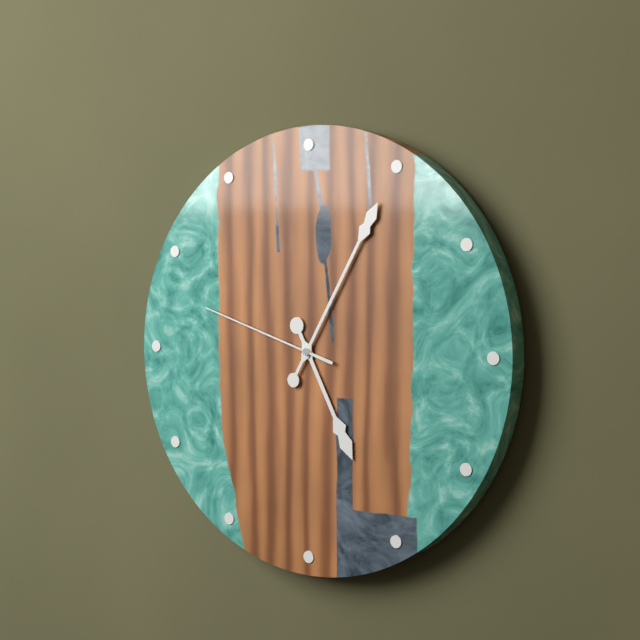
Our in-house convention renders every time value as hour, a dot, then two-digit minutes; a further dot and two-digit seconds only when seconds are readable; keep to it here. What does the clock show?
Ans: 5.05.48
